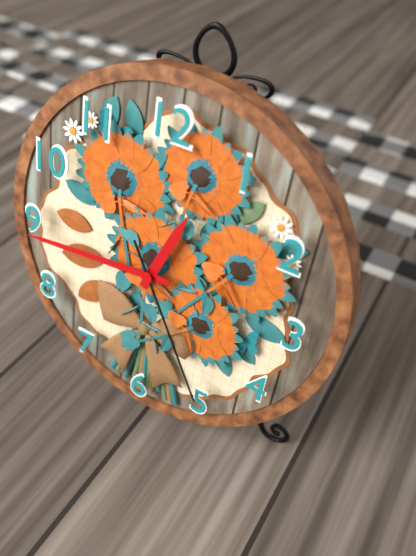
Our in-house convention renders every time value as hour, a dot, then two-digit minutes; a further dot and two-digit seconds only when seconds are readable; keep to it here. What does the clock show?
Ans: 12.44.25
